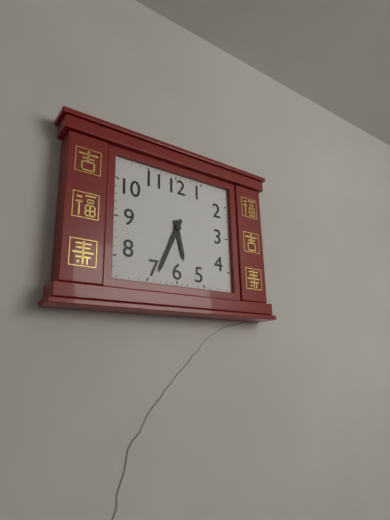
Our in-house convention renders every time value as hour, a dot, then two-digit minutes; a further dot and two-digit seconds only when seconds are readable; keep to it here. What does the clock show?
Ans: 5.34
